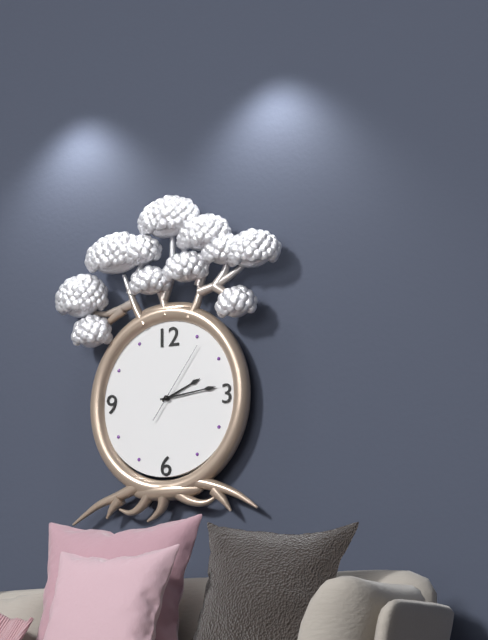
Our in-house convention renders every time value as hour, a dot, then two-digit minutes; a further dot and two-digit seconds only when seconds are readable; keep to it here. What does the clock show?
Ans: 2.14.06
